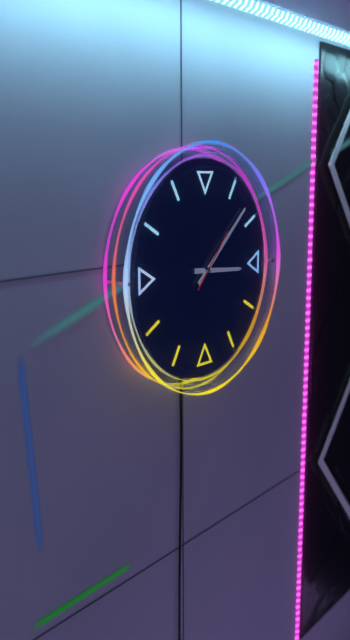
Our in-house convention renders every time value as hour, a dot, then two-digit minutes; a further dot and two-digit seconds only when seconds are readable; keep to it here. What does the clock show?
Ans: 3.08.07
